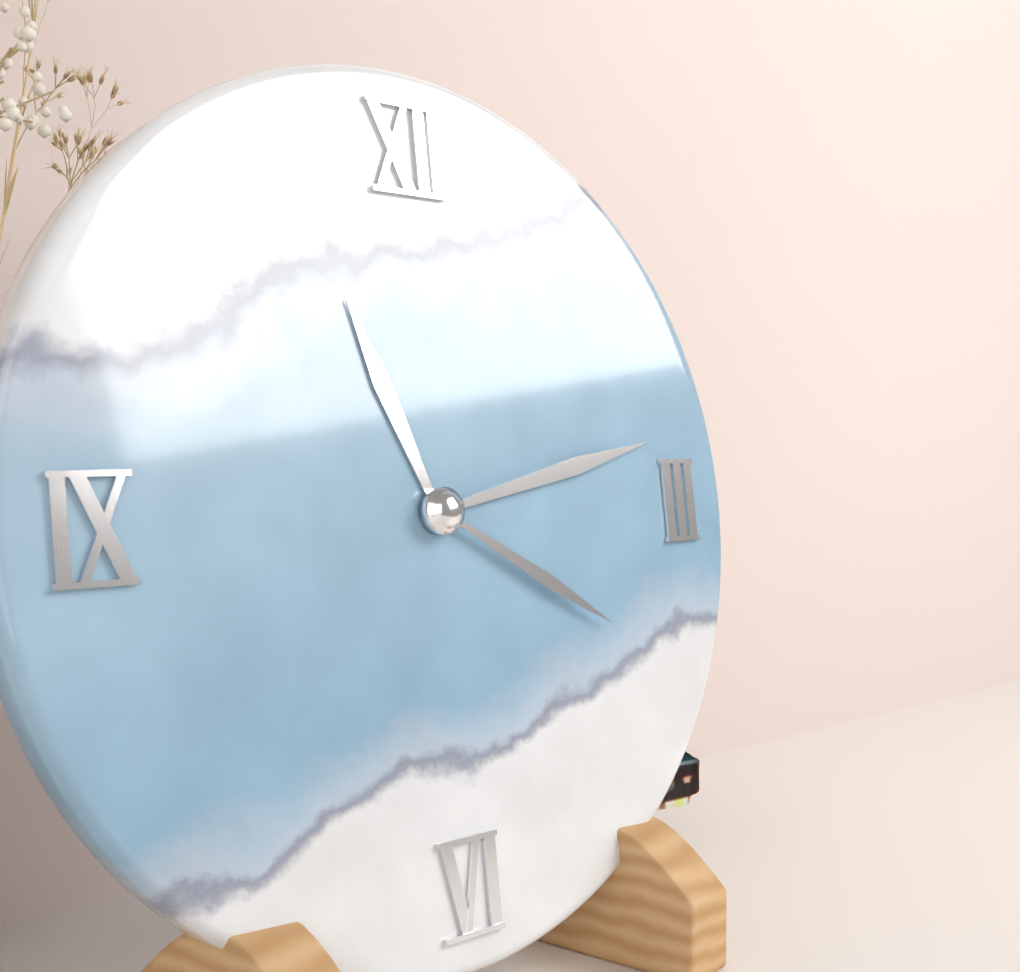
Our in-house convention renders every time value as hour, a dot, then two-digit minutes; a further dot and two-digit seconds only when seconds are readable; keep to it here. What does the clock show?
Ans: 11.13.20
